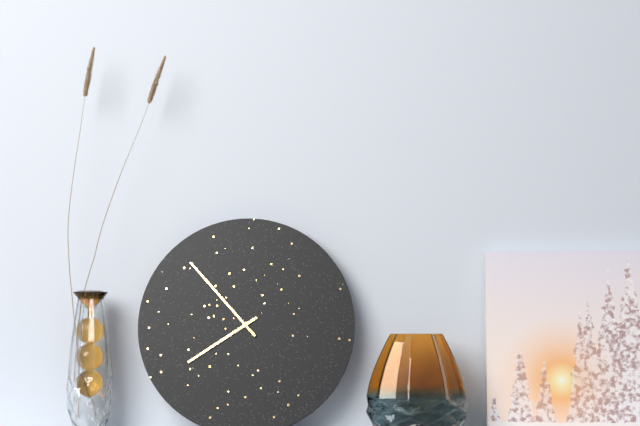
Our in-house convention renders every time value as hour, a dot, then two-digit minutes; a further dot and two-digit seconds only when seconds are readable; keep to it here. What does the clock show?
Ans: 7.53
